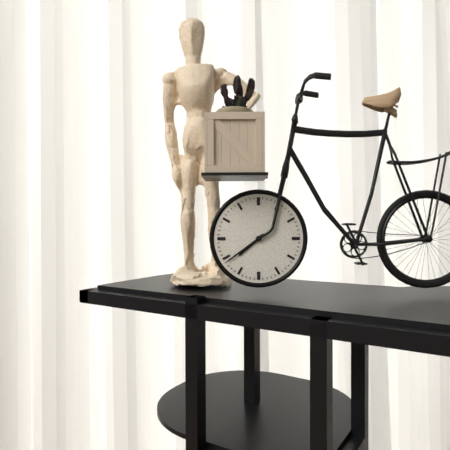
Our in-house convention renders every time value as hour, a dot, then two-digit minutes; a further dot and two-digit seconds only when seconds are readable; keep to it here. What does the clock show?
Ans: 7.39
